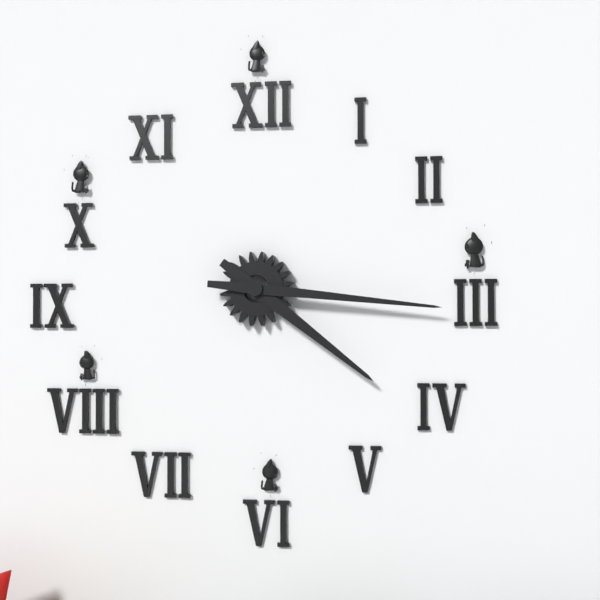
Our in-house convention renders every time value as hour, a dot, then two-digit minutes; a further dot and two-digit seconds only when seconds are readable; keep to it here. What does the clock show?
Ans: 4.16
